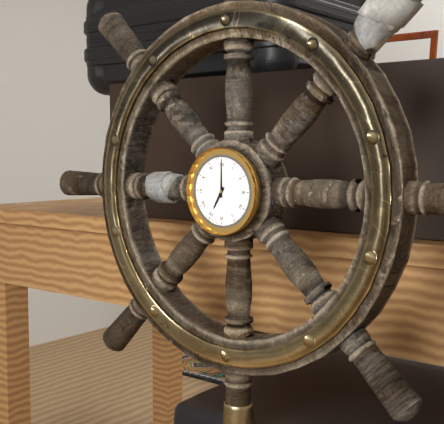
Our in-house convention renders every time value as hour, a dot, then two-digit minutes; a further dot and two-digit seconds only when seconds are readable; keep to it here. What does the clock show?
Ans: 7.00
